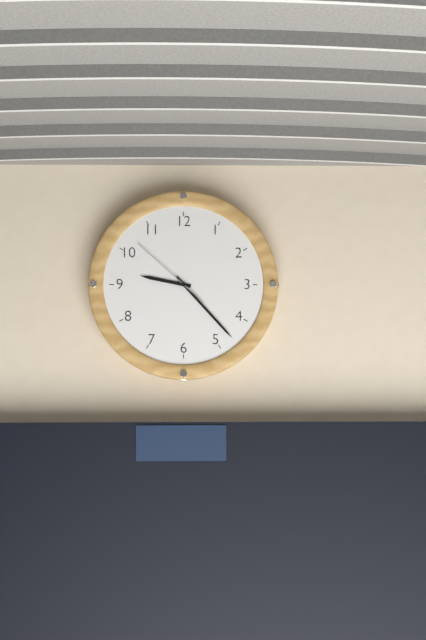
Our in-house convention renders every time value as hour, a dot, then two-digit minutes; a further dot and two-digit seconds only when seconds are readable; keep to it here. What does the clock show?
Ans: 9.23.52
